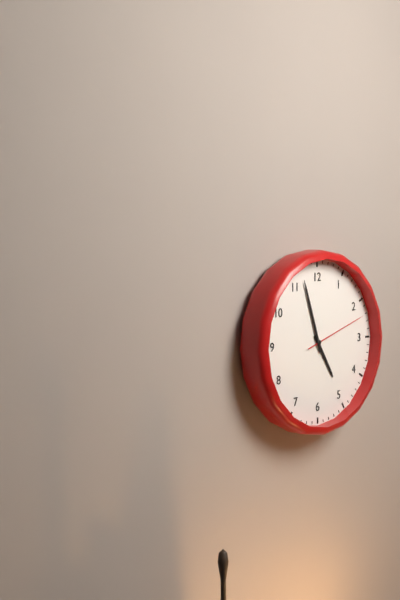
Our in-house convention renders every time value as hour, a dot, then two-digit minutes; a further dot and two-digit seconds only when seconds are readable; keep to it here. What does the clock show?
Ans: 4.57.12
